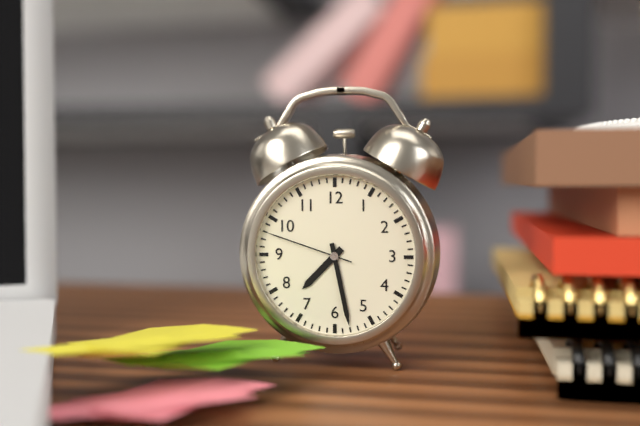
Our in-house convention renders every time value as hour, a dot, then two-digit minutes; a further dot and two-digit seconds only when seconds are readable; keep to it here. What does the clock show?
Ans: 7.28.48
